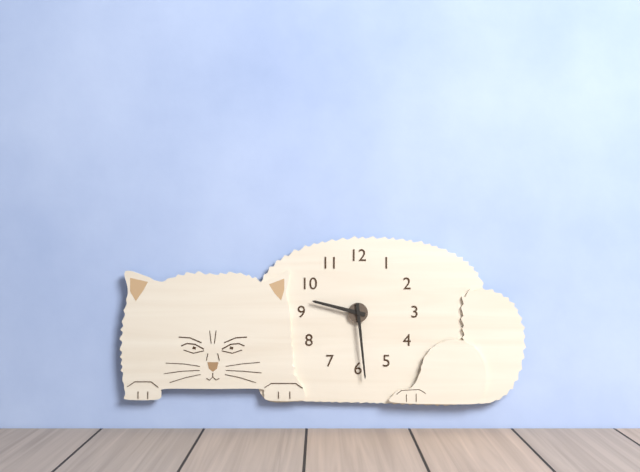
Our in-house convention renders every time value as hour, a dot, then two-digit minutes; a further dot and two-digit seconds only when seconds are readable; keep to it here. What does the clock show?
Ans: 9.29
